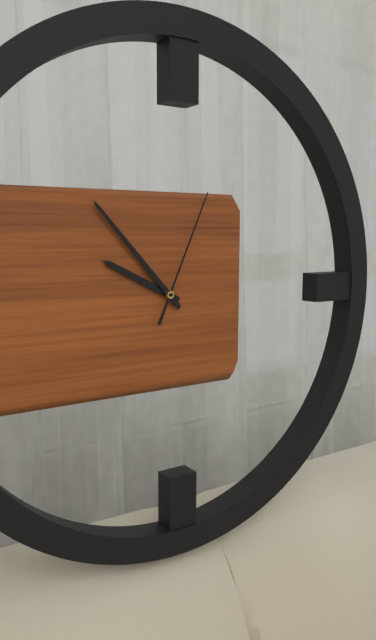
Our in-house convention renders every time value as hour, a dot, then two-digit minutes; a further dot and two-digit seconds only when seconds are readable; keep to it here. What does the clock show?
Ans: 9.53.04
